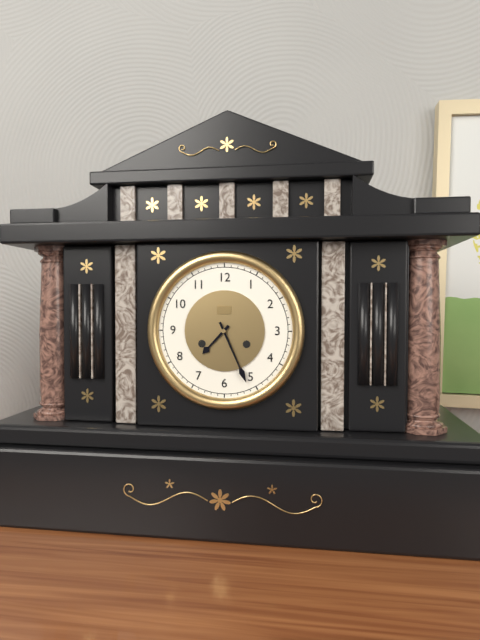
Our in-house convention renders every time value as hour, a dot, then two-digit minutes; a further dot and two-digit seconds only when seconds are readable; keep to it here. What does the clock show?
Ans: 7.26
